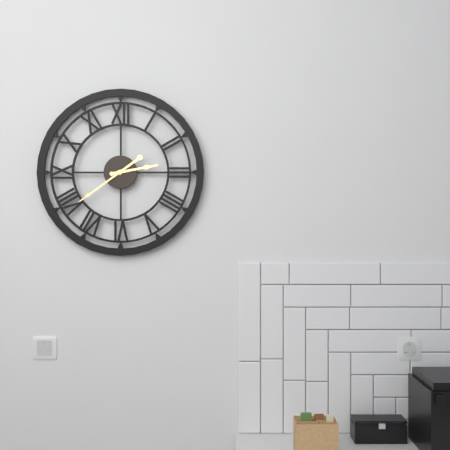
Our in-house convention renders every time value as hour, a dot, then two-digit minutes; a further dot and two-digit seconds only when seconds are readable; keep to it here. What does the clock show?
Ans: 2.39
